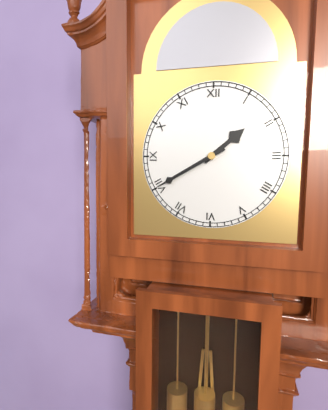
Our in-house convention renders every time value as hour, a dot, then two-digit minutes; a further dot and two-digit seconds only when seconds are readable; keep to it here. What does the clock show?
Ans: 1.40
